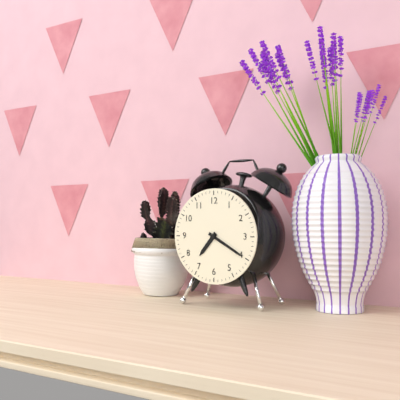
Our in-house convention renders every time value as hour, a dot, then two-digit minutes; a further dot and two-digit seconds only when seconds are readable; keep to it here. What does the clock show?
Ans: 7.20
